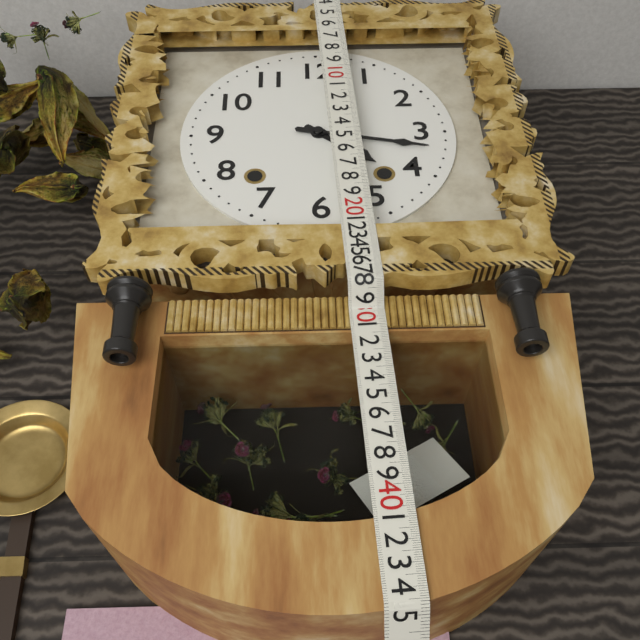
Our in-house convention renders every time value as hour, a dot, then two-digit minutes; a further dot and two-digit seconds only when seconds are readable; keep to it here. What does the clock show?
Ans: 4.17
